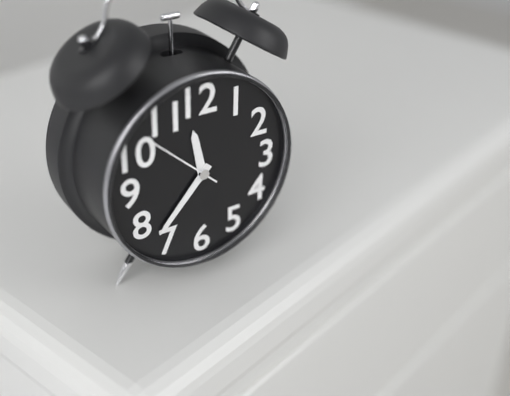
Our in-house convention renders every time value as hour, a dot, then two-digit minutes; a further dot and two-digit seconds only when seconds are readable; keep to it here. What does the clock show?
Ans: 11.37.52
